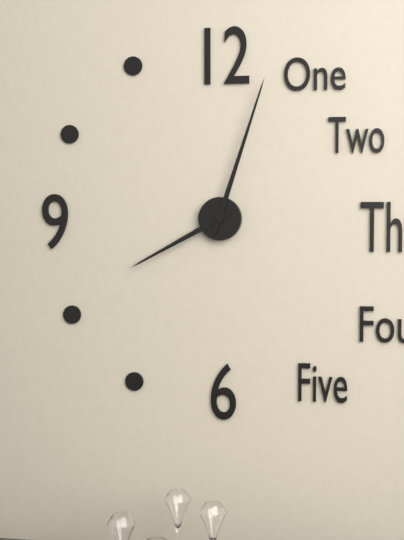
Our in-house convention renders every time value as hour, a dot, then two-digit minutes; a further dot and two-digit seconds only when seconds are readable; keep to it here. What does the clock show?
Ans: 8.03
